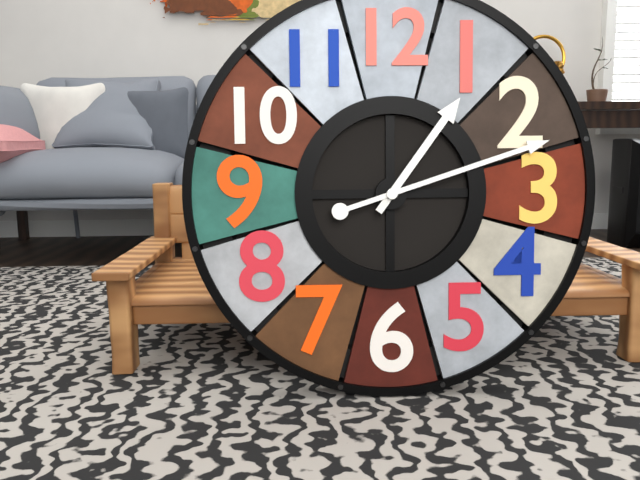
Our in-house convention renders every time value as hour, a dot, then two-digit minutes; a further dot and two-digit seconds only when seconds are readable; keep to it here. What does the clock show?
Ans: 1.12
